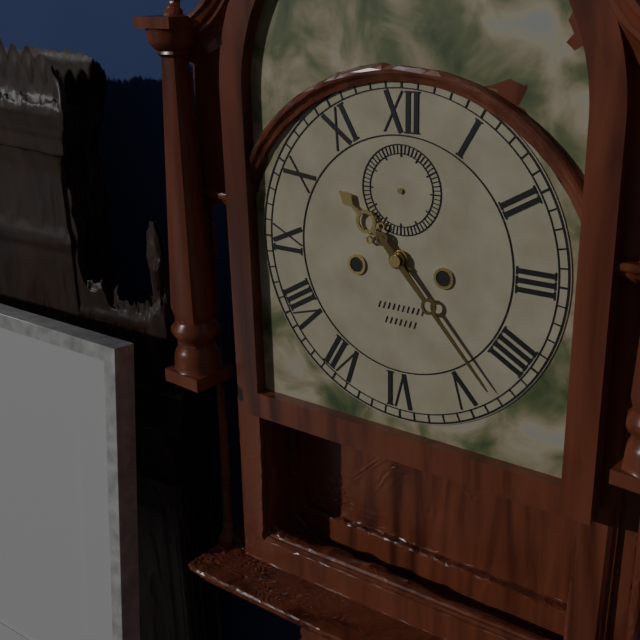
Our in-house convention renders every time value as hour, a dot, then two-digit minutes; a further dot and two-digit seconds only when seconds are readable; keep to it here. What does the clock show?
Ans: 10.23
